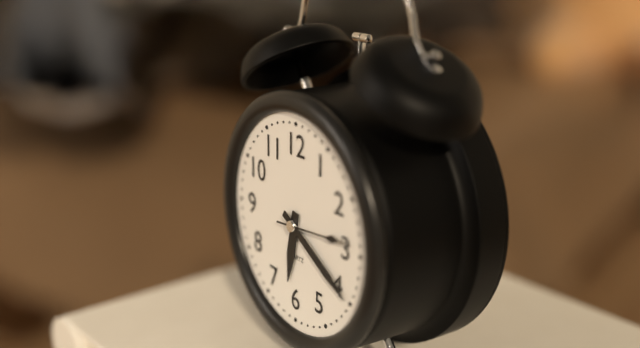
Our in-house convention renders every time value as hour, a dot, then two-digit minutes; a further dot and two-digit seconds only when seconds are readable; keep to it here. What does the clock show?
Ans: 6.20.14
